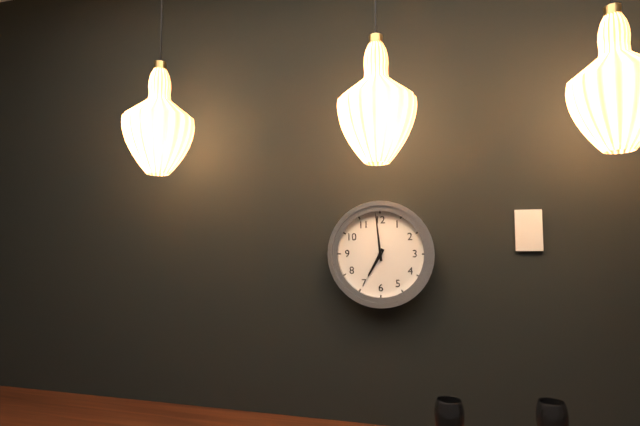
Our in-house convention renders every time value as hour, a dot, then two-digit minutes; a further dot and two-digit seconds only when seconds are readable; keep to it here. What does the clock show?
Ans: 6.59
